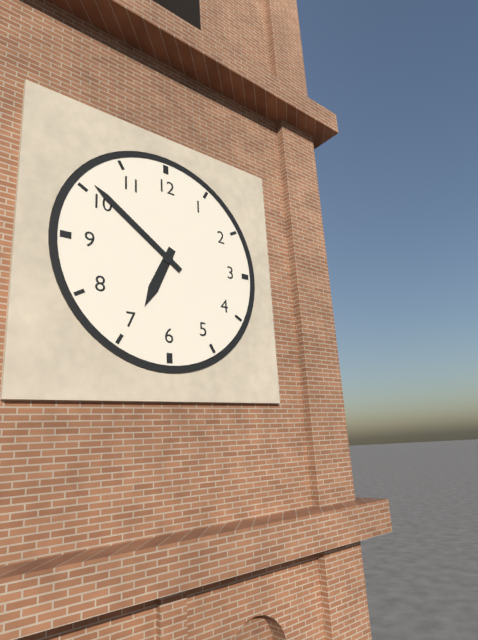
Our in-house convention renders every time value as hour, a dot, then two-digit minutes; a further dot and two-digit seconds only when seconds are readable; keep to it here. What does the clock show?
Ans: 6.51
